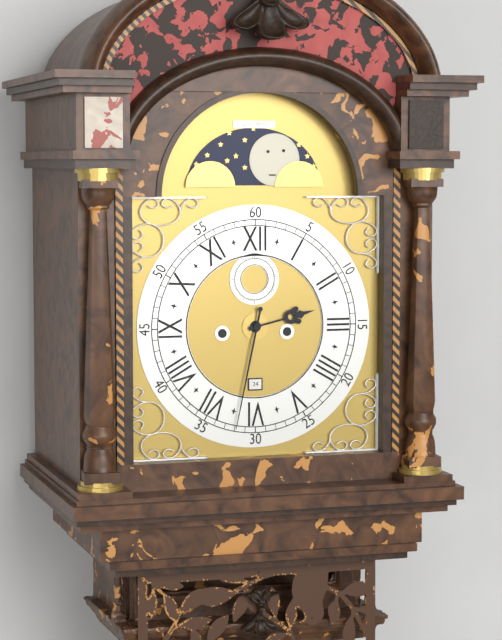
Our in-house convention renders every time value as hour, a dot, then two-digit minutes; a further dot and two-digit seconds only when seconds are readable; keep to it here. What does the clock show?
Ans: 2.32
